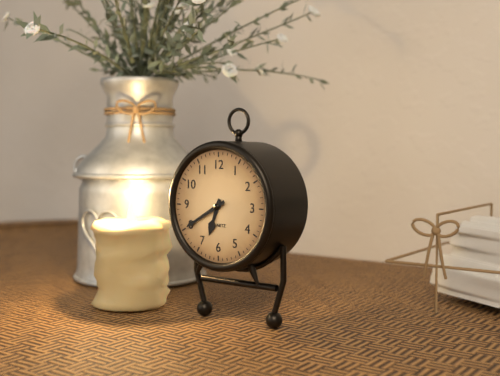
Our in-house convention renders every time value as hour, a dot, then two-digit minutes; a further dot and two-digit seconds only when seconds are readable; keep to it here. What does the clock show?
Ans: 6.40
